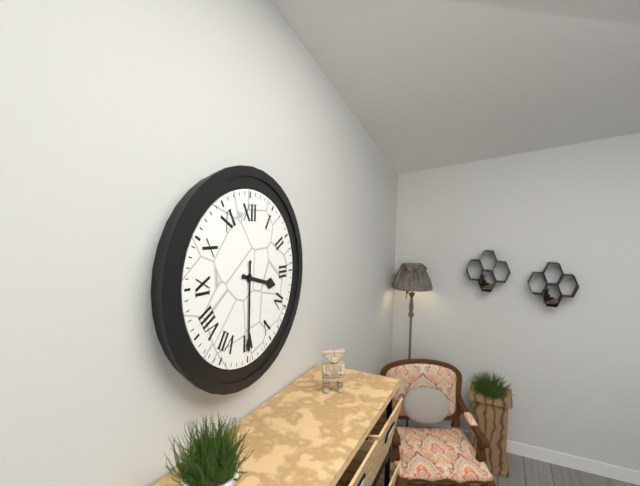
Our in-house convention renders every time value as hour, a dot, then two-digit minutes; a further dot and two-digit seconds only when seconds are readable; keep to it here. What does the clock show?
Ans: 3.30
